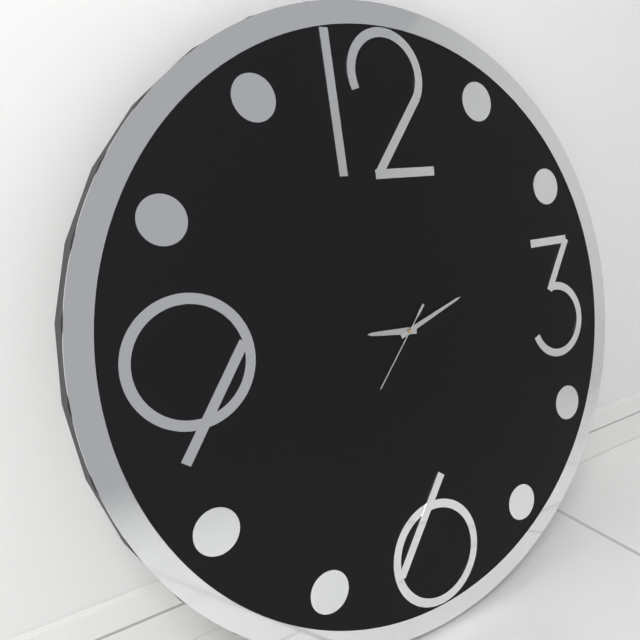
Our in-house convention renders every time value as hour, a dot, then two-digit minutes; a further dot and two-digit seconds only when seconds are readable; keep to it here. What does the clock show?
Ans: 9.12.37
